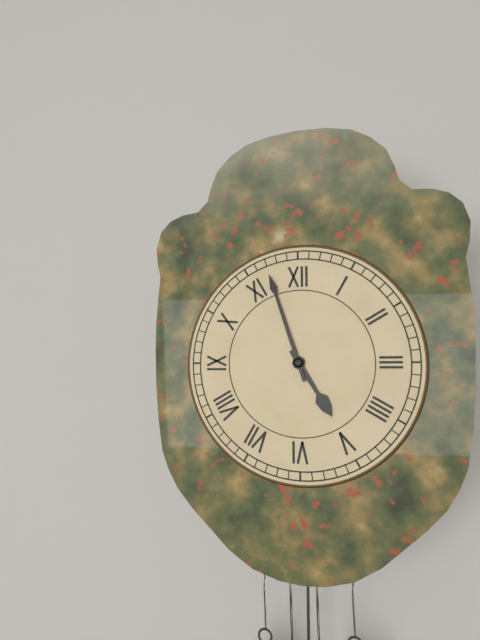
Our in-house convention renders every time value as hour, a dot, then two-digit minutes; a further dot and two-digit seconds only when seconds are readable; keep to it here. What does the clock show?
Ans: 4.57
